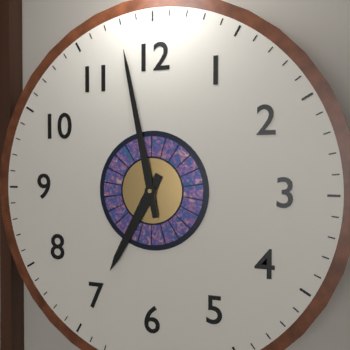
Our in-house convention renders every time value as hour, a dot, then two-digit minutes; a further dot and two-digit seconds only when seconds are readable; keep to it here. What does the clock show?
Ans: 6.58
